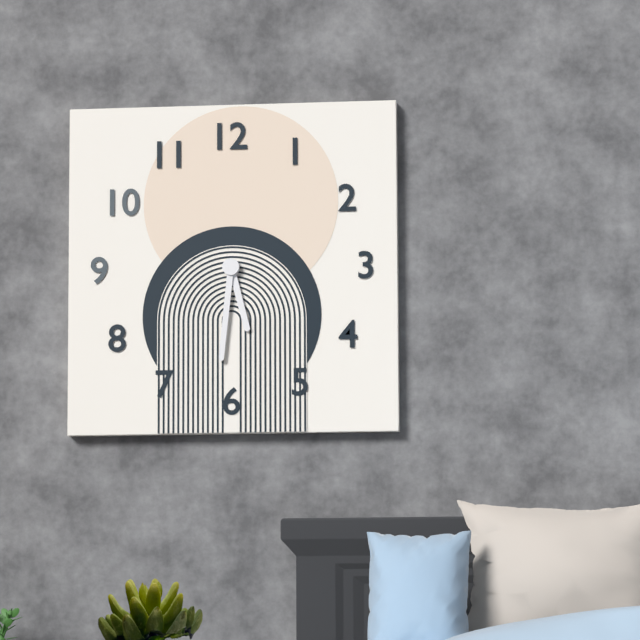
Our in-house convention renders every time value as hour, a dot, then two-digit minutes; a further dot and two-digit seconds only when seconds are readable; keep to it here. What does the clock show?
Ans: 5.31
